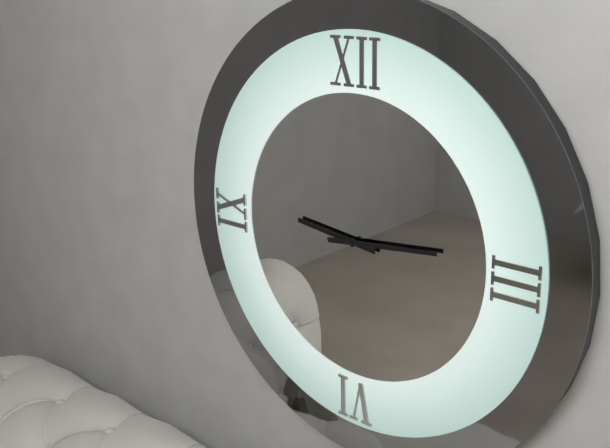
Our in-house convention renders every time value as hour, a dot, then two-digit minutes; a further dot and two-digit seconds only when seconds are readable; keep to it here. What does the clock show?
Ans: 9.14
